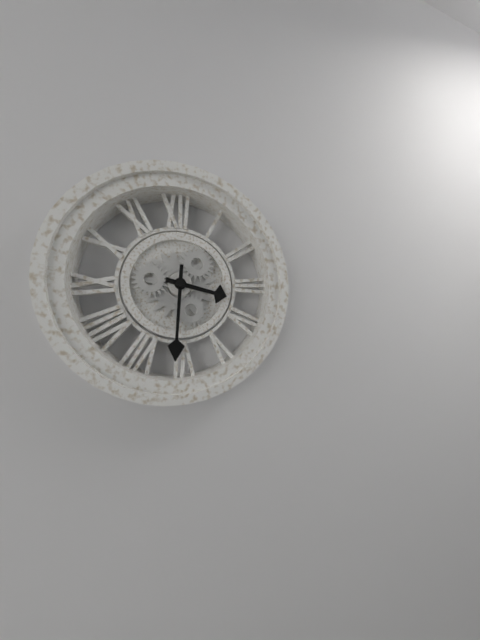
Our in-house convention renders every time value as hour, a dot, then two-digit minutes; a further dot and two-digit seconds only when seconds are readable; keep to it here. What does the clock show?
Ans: 3.31
